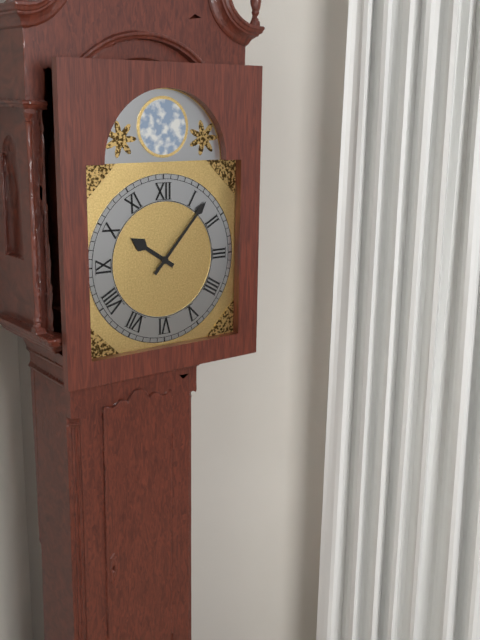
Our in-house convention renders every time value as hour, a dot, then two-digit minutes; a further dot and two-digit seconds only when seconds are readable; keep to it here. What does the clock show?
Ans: 10.07
